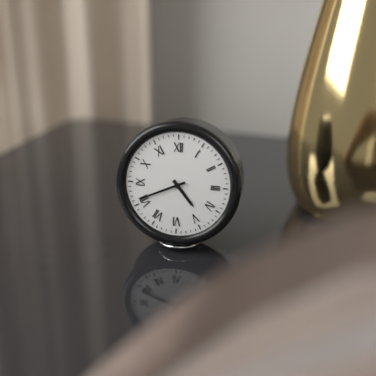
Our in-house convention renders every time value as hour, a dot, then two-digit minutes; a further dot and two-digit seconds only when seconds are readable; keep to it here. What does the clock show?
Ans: 4.41
